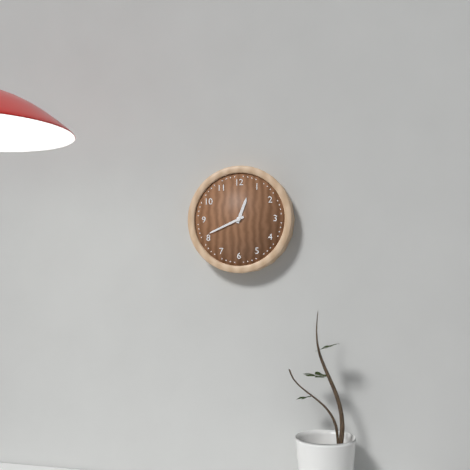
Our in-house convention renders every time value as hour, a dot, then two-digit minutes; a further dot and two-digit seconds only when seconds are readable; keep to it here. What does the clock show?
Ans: 12.41
